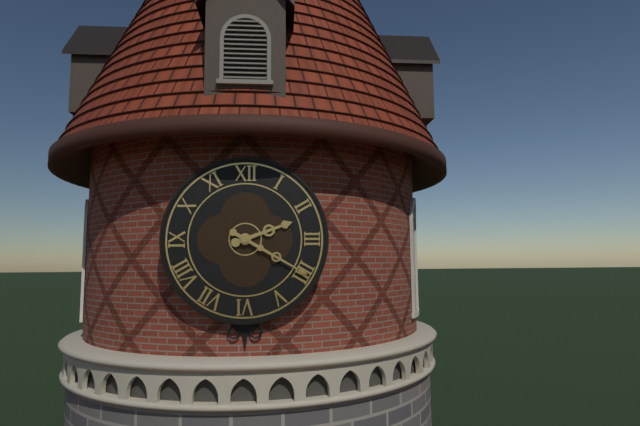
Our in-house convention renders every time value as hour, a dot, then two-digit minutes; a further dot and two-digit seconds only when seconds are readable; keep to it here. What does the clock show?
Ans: 2.20
